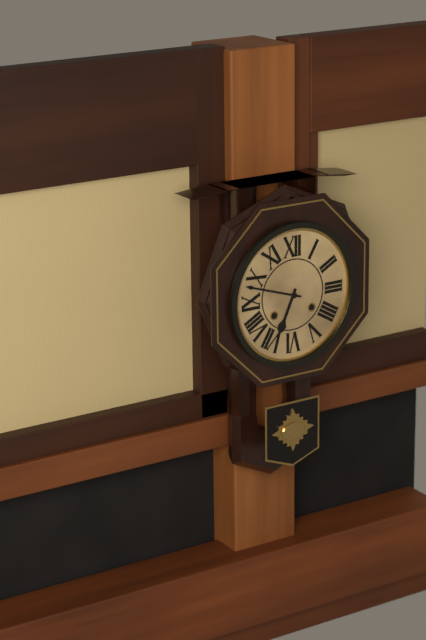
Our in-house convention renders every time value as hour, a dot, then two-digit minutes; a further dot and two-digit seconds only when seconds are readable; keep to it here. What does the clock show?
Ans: 6.48
